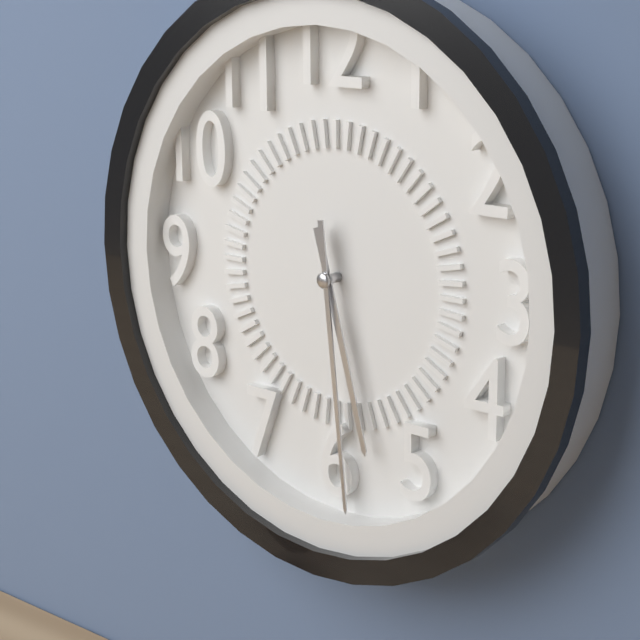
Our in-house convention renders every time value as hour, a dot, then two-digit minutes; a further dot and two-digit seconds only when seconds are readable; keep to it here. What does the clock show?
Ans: 5.29
